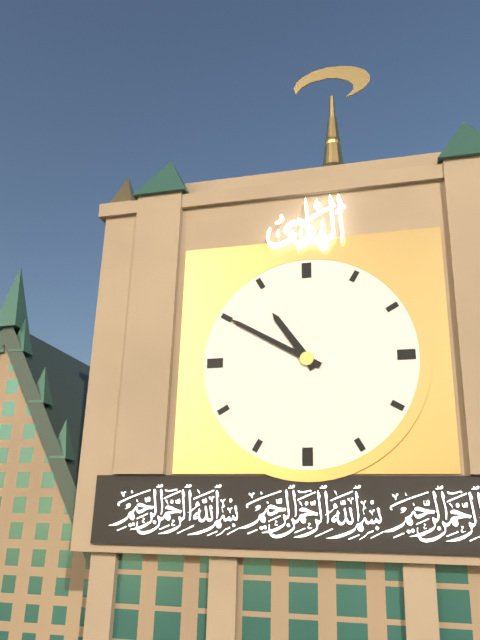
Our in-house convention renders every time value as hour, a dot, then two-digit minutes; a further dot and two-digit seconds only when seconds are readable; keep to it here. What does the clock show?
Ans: 10.50
